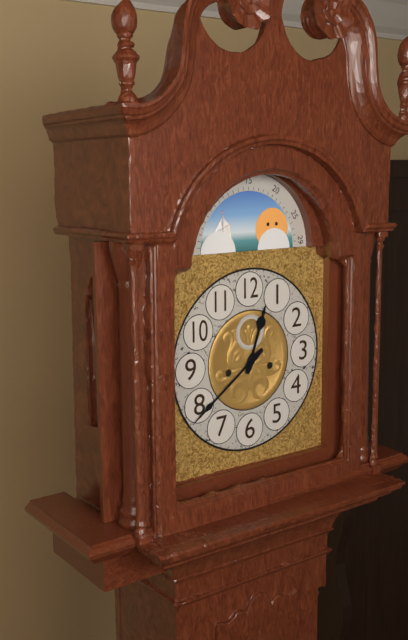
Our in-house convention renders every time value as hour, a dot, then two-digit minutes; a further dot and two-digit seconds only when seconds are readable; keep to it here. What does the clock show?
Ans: 12.39
